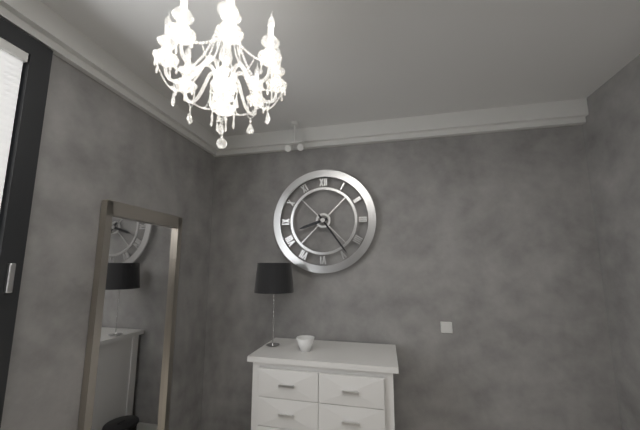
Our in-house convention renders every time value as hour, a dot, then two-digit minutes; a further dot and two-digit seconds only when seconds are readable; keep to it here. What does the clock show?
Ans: 8.24
